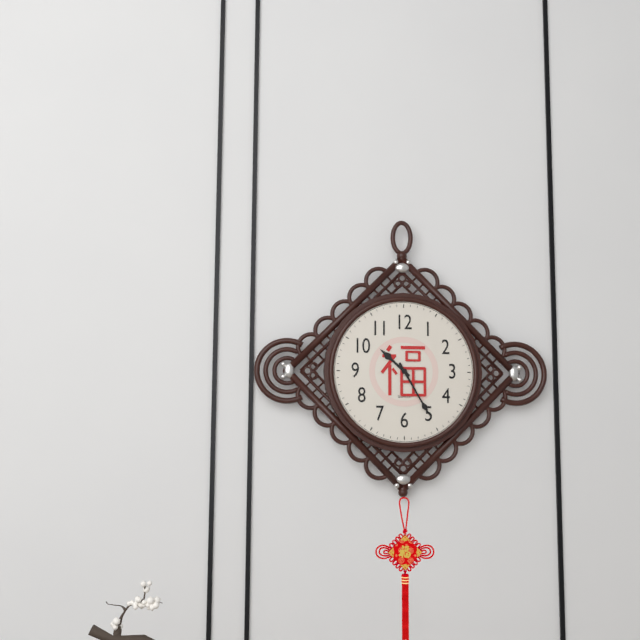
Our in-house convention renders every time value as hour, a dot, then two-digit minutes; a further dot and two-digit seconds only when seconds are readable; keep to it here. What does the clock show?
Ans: 10.25
